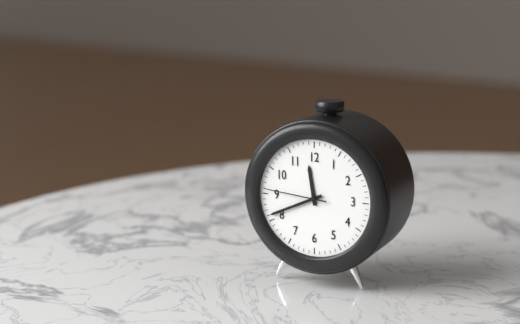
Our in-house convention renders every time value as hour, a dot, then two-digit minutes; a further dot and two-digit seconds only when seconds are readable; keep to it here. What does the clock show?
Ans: 11.41.46
